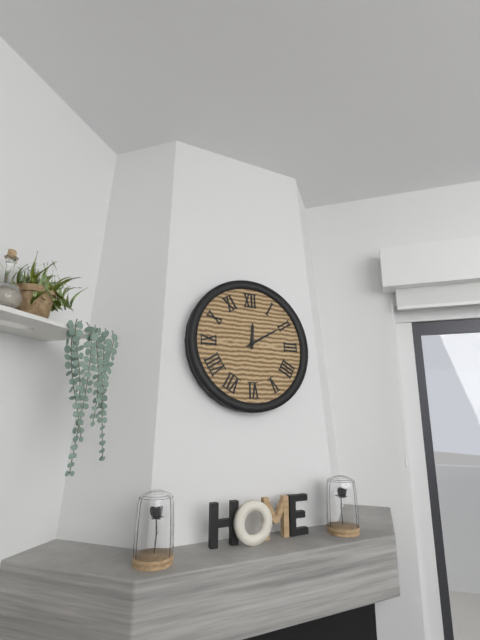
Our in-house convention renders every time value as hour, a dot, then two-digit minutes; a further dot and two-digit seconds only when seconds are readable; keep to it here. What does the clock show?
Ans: 12.10
